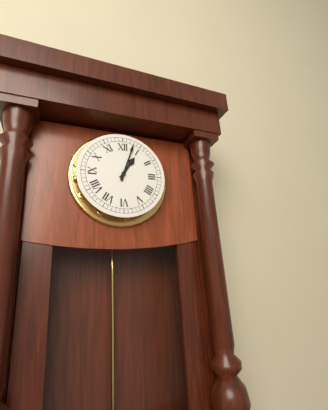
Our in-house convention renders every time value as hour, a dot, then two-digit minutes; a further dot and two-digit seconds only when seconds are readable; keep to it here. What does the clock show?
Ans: 1.03
